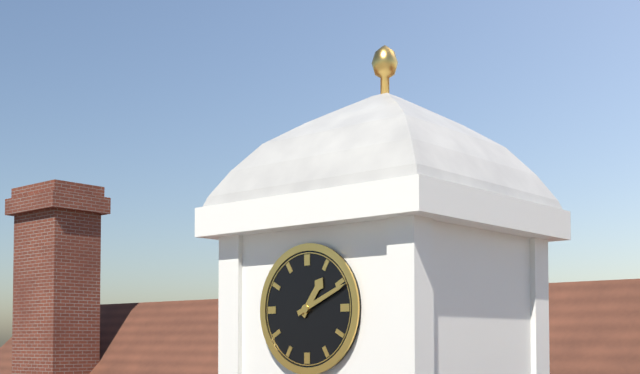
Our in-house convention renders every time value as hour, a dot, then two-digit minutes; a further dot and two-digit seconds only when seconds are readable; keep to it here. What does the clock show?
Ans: 1.11
